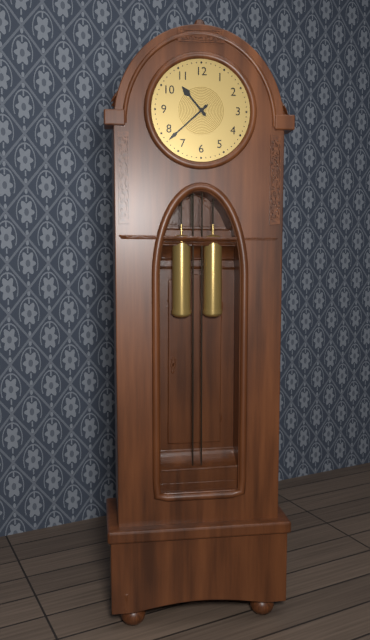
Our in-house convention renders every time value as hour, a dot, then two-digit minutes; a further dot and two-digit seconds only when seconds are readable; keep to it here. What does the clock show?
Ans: 10.38
